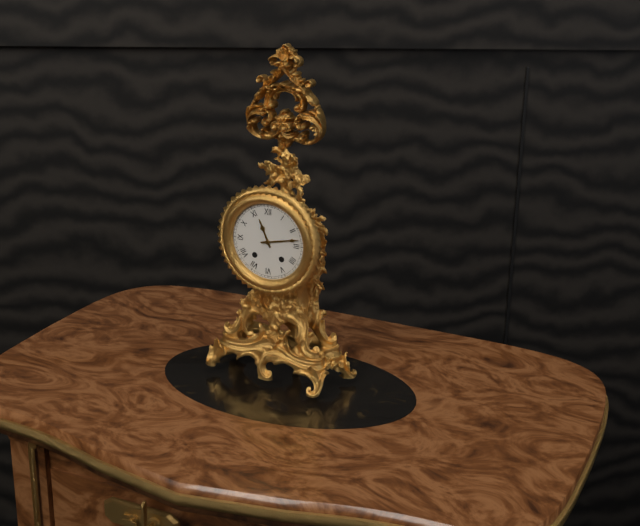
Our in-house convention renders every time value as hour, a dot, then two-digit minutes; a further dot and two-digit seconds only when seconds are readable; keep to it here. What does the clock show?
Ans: 11.13
